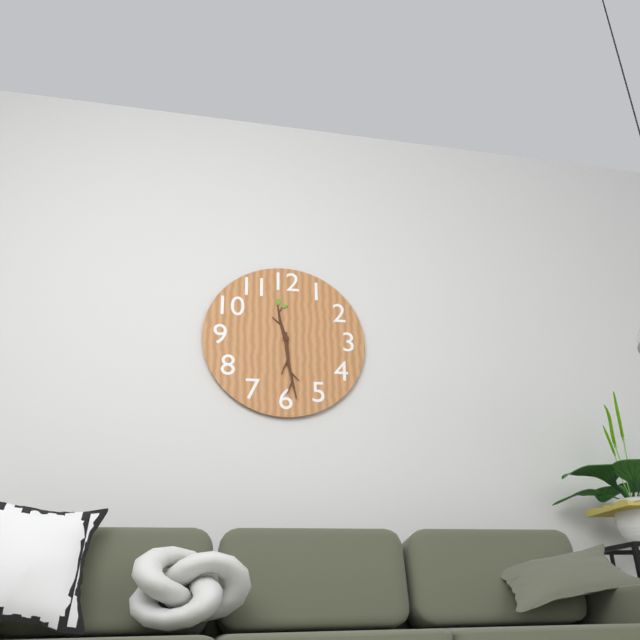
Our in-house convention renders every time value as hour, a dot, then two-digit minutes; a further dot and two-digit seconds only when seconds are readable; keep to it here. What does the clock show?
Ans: 11.29
